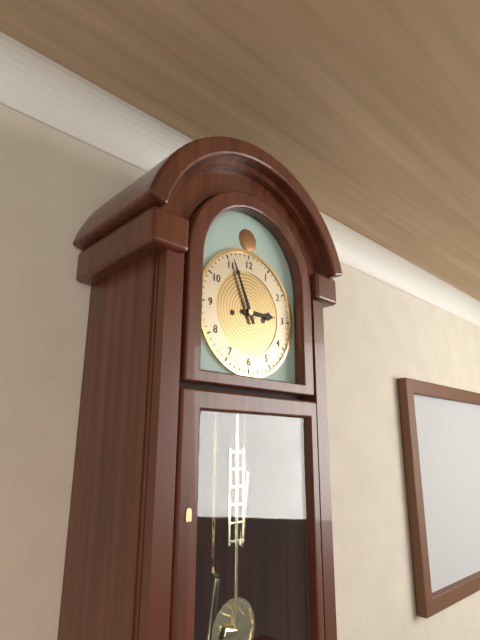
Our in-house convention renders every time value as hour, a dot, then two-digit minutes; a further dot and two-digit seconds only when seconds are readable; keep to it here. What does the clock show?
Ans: 2.56
